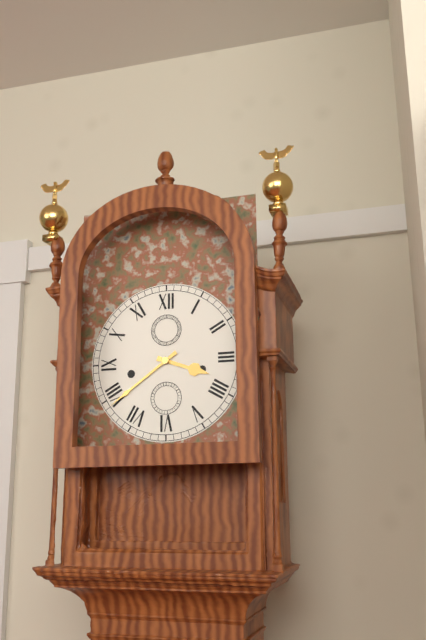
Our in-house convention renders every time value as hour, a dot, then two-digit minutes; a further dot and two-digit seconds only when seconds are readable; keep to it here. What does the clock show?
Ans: 3.39
